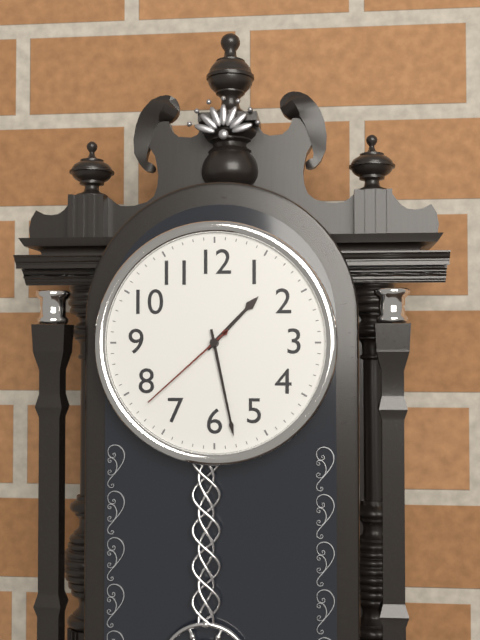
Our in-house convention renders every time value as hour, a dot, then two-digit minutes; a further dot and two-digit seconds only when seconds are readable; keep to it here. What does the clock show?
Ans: 1.28.38
